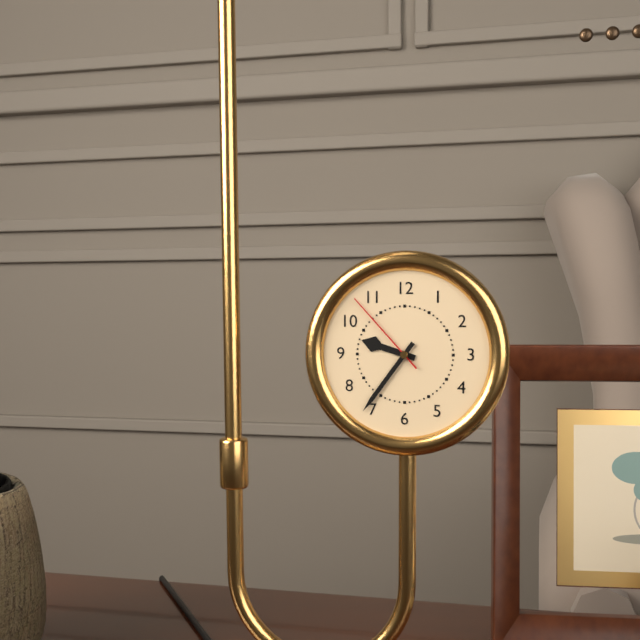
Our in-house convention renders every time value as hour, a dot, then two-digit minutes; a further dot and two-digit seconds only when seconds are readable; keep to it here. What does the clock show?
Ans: 9.36.53
